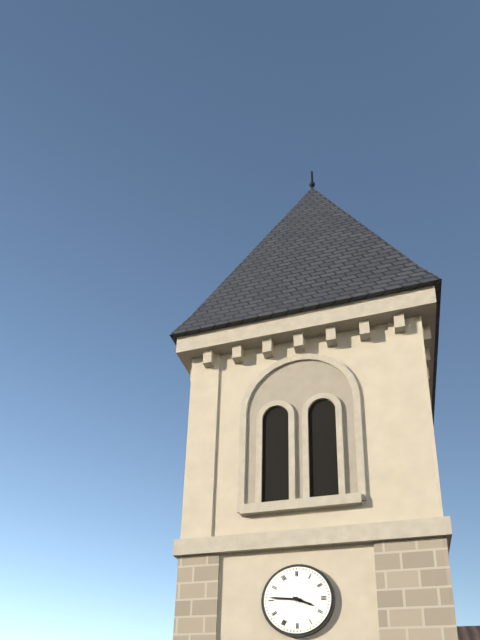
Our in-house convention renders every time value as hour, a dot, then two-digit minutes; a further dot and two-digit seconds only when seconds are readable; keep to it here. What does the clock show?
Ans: 3.46
